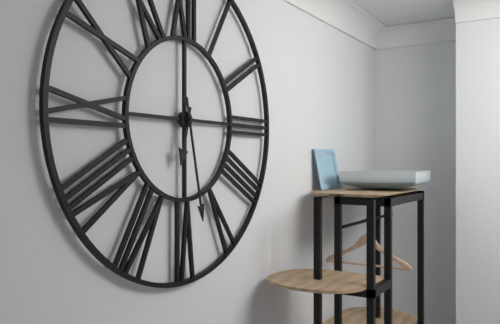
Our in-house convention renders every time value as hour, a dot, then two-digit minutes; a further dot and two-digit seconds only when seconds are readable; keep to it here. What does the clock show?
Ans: 6.28
